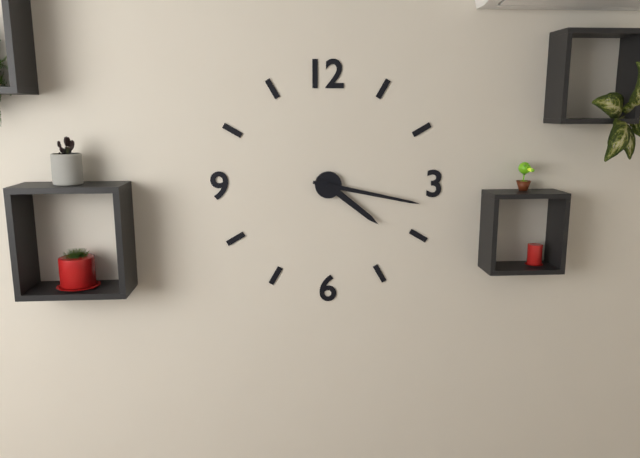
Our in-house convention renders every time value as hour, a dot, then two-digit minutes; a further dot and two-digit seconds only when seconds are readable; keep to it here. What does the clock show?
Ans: 4.17
